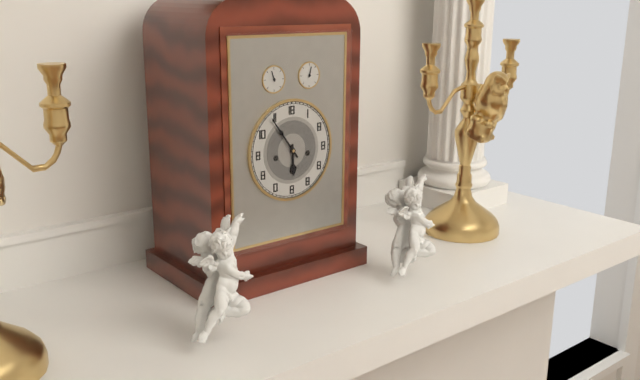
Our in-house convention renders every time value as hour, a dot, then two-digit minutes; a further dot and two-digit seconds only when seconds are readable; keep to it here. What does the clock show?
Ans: 5.54
